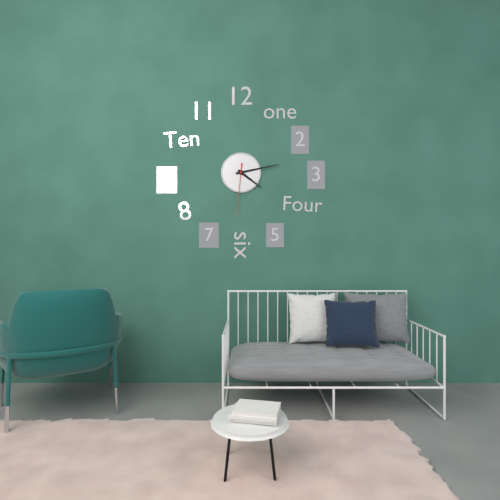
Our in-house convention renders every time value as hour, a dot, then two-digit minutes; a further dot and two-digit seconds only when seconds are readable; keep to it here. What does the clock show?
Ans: 4.13.31
